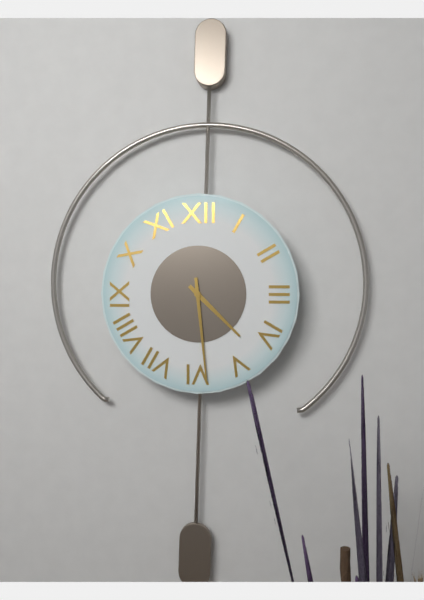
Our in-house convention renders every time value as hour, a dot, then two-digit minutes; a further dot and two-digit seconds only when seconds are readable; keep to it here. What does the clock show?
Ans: 4.29
